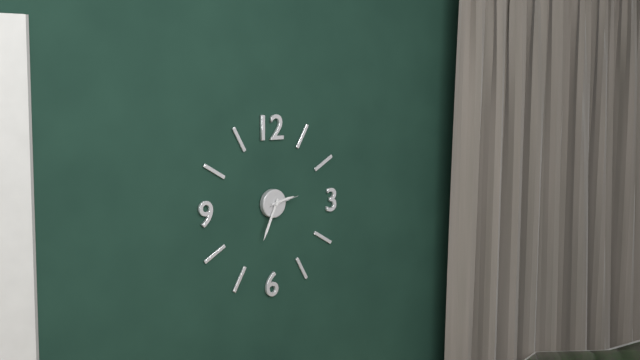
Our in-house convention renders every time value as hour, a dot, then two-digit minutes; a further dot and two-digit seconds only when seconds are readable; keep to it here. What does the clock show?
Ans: 2.34
